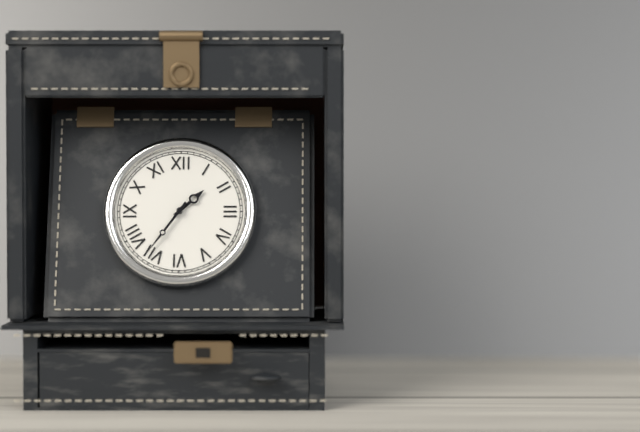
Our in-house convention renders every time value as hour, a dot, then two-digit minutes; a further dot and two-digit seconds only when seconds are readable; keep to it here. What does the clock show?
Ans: 1.36
